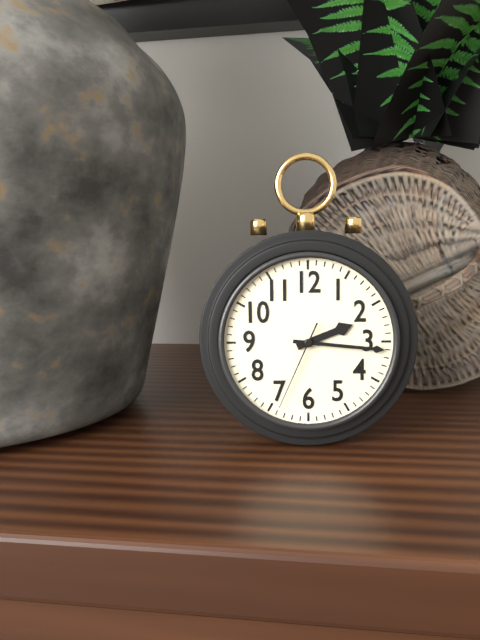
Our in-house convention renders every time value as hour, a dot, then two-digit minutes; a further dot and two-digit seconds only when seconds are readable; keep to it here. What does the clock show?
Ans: 2.16.34
